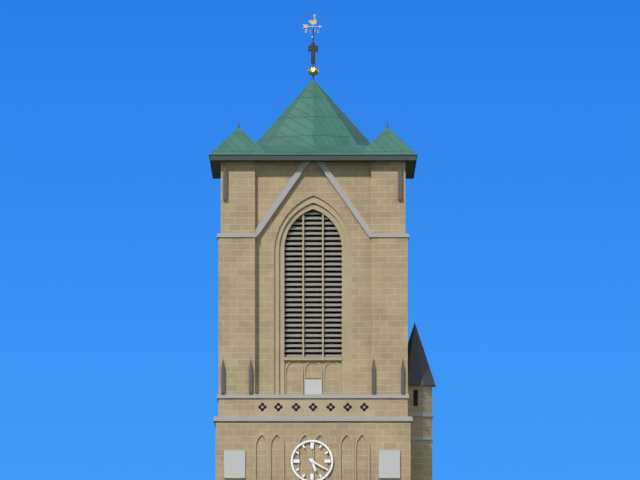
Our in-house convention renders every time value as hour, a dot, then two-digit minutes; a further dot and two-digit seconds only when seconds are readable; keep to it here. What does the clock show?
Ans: 5.20
